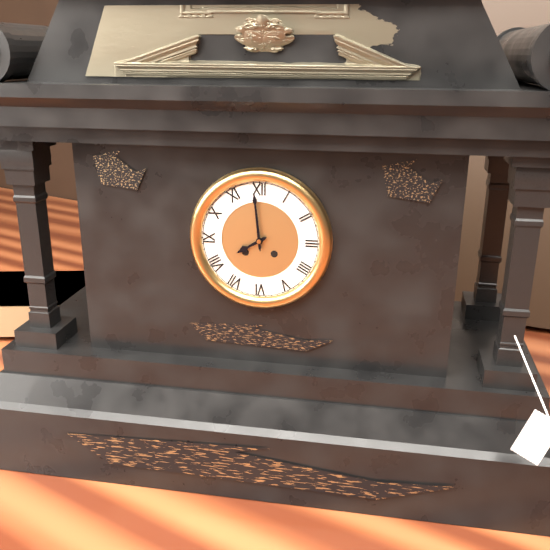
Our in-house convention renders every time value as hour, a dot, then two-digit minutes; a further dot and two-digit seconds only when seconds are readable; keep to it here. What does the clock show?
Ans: 7.59
